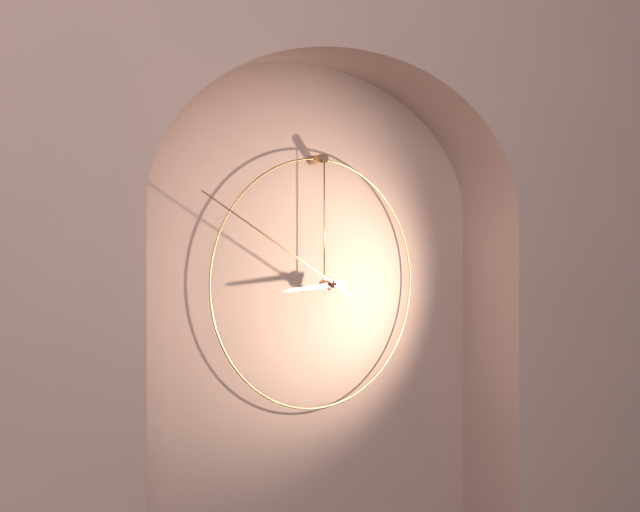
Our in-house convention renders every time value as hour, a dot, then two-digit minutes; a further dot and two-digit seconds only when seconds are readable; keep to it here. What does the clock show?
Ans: 8.50
